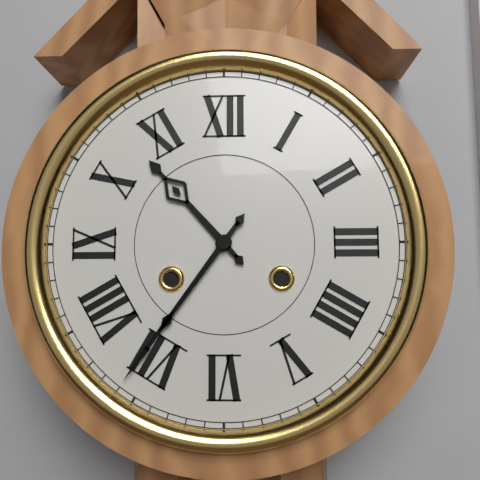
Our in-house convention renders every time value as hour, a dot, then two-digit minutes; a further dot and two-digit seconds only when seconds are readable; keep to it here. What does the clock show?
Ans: 10.36
